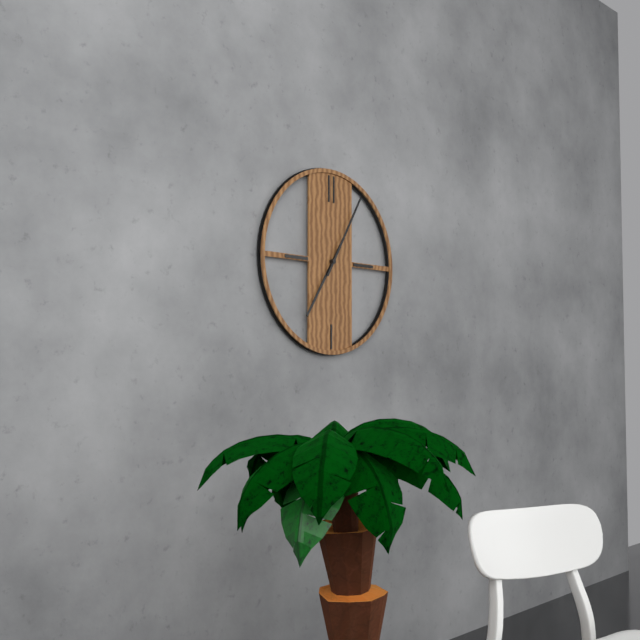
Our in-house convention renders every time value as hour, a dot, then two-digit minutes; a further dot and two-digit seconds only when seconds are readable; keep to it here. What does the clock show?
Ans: 7.05
